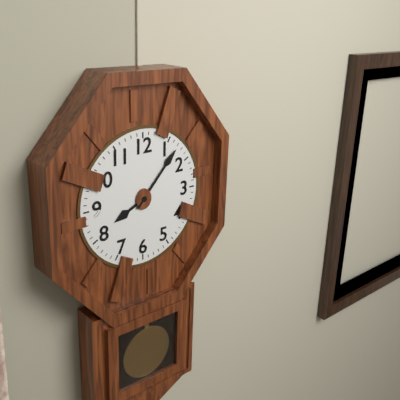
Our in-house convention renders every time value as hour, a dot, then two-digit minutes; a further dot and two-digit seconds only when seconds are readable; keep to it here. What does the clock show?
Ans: 8.07
